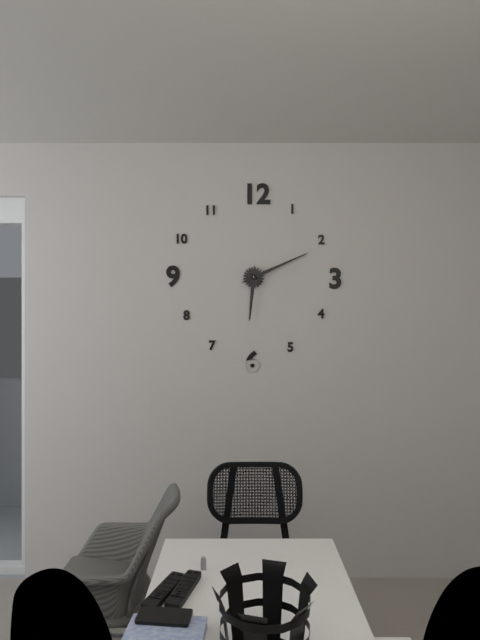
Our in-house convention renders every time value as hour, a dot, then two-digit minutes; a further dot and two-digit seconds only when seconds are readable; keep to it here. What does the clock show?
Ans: 6.11
